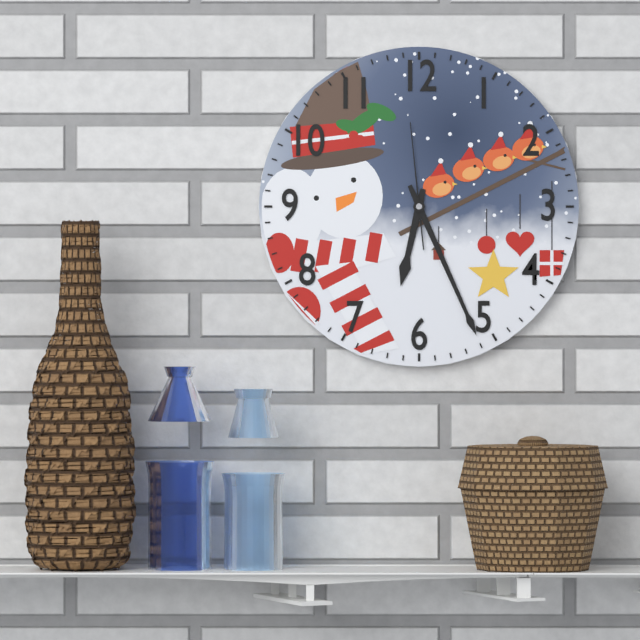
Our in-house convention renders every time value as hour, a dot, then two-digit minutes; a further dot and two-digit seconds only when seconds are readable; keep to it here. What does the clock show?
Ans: 6.26.59
